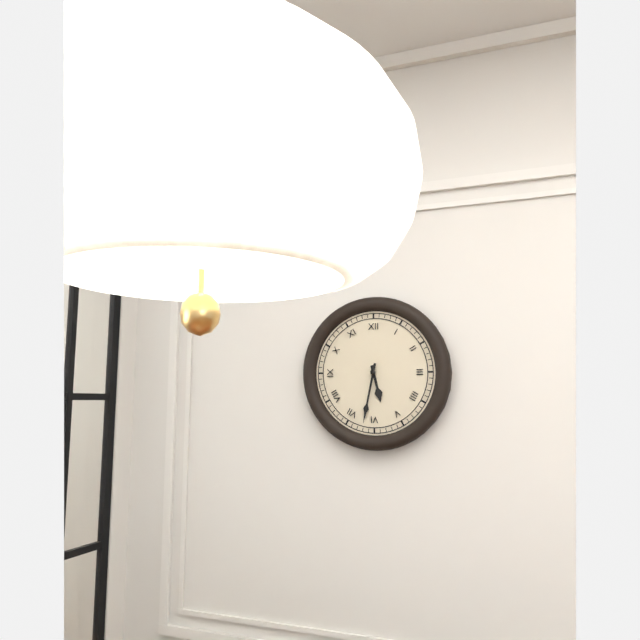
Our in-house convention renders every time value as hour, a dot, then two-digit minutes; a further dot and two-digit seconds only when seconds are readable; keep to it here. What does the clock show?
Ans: 5.32
